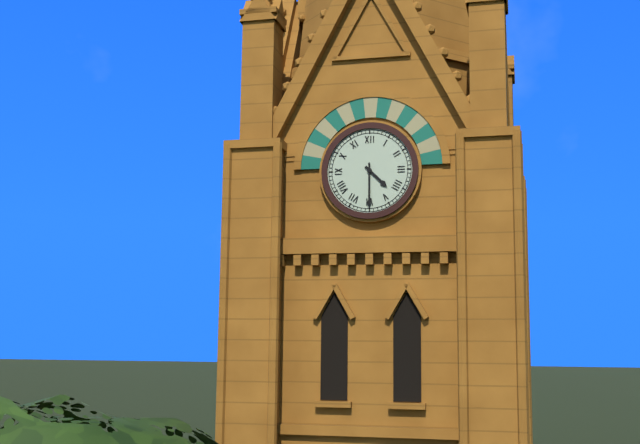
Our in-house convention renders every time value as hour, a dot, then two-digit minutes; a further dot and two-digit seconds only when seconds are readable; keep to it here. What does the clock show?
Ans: 4.30
